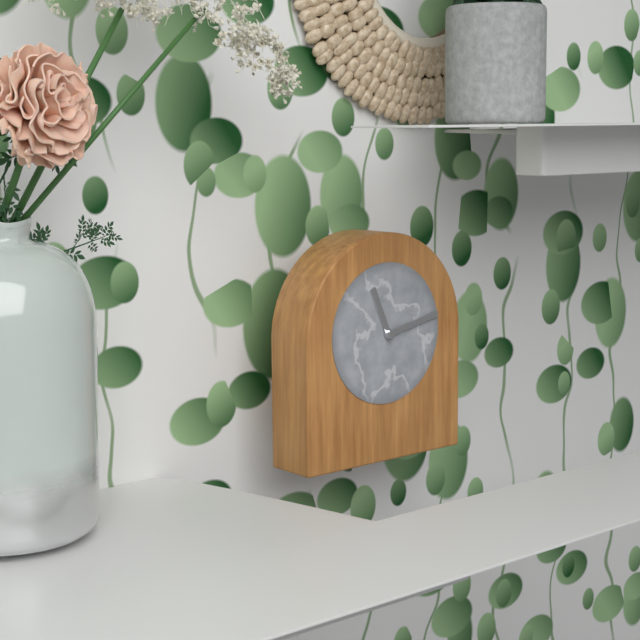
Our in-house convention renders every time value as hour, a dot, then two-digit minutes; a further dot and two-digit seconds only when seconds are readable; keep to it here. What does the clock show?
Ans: 11.13
